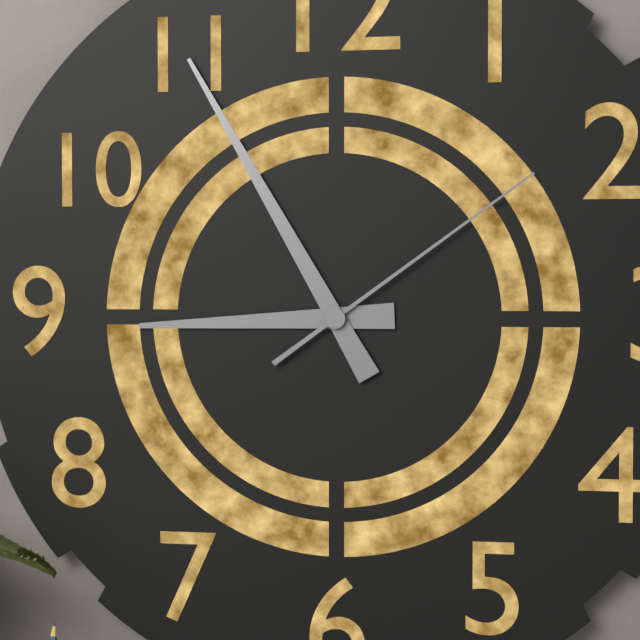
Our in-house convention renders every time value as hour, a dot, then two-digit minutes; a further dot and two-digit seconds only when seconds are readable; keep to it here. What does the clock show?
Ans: 8.55.09
